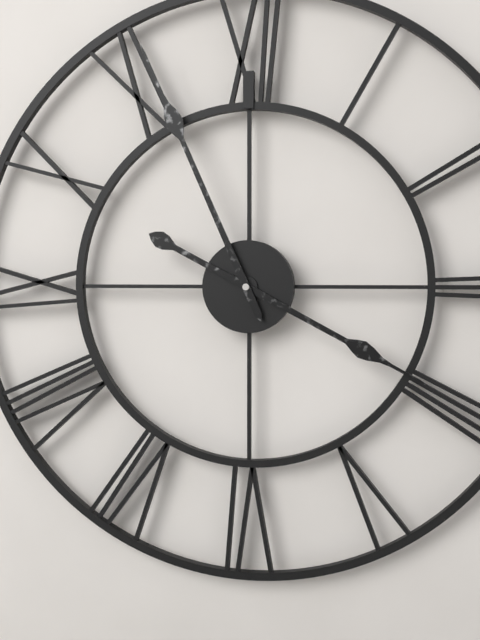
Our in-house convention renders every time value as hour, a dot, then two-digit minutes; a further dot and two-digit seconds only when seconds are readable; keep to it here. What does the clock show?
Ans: 3.56
